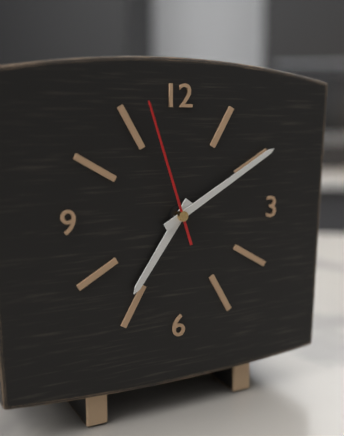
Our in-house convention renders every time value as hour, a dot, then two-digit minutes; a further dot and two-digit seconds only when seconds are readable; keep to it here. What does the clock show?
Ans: 7.10.57
